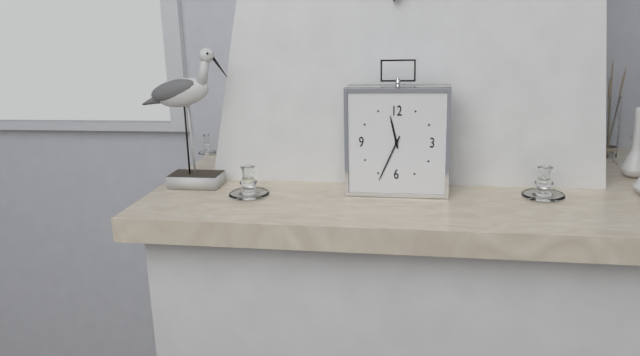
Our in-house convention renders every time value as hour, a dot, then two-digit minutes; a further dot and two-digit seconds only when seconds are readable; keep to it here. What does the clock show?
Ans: 11.34
